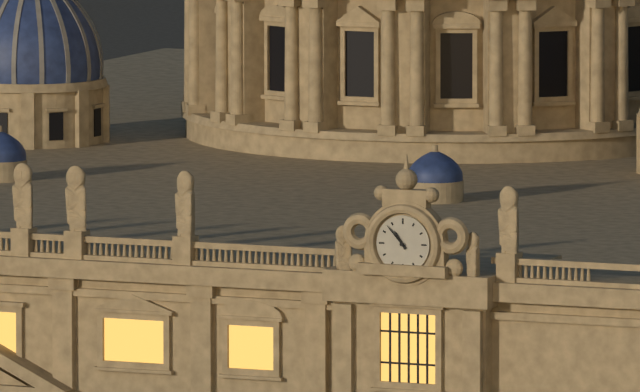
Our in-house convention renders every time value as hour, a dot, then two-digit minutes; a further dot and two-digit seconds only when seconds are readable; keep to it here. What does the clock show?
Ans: 10.53
